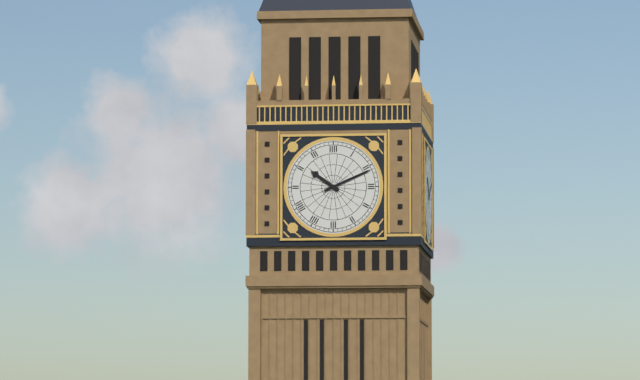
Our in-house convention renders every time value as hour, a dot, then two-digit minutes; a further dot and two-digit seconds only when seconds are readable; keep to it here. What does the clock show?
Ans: 10.11
